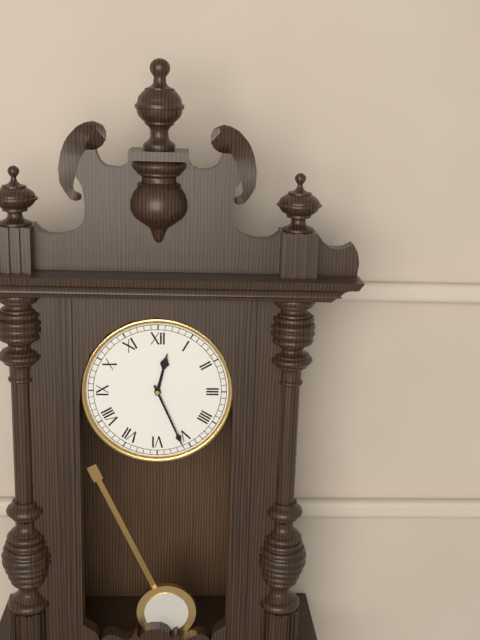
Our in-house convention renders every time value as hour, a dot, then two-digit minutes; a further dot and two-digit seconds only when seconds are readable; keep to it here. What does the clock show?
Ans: 12.26
